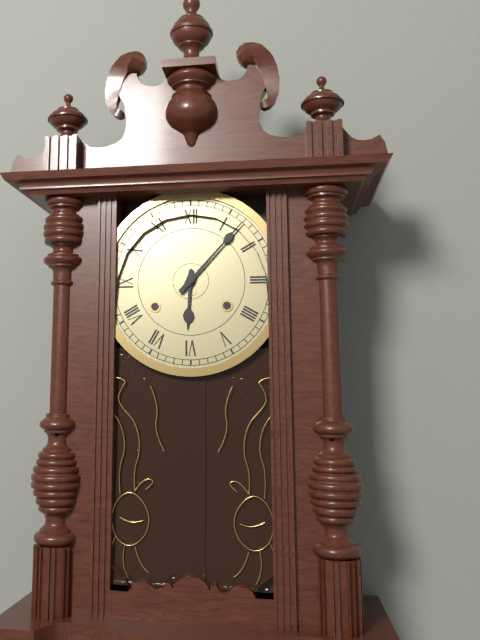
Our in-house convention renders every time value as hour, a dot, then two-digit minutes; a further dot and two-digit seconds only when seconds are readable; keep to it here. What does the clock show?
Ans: 6.07
